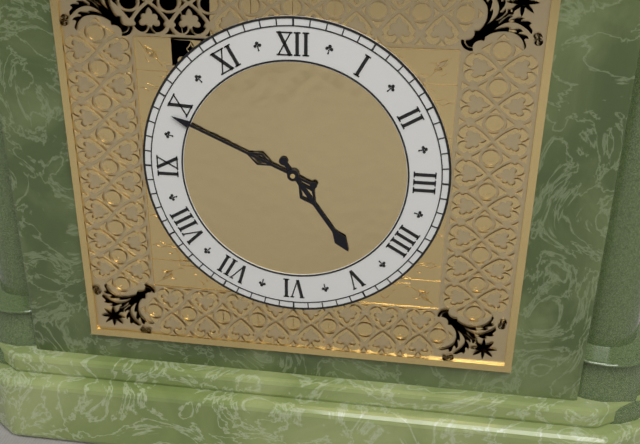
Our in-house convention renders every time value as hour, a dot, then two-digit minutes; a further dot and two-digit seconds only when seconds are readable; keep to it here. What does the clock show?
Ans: 4.49
